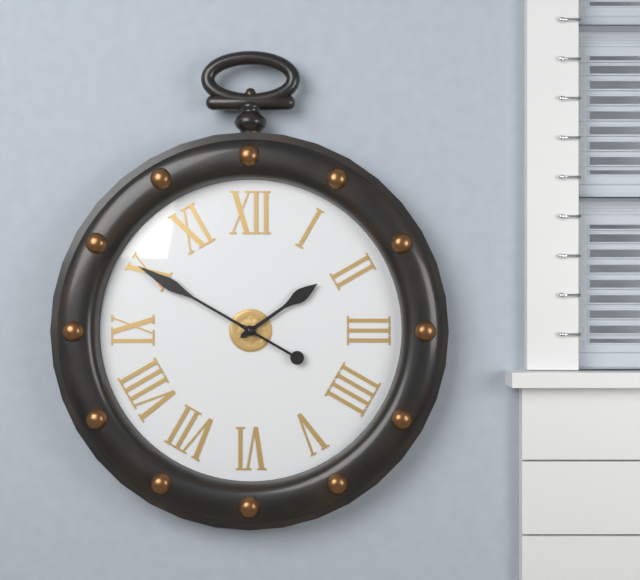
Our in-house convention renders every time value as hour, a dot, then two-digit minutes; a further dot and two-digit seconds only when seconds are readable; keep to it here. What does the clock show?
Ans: 1.50
